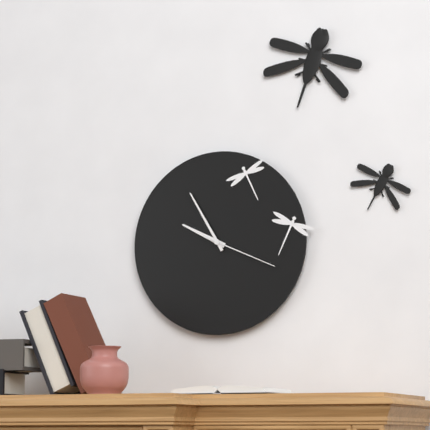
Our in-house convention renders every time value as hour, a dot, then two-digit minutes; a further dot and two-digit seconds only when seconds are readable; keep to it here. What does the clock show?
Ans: 9.55.19
